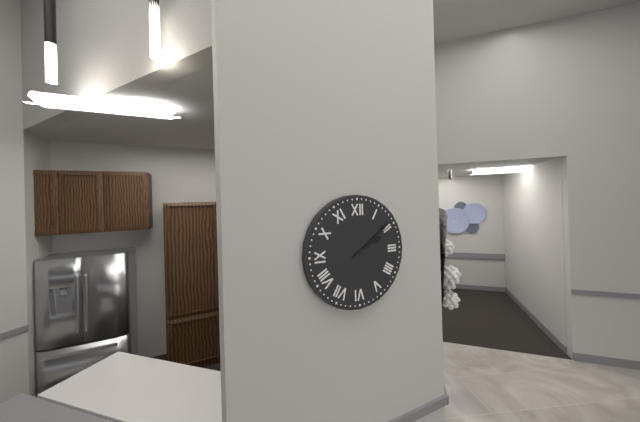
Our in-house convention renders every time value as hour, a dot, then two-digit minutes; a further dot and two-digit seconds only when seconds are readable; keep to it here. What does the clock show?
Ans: 2.09
